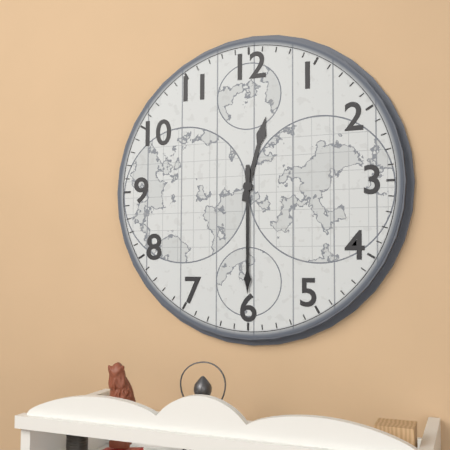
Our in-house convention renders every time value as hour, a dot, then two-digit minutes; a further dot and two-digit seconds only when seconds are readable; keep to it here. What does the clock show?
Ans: 12.30
